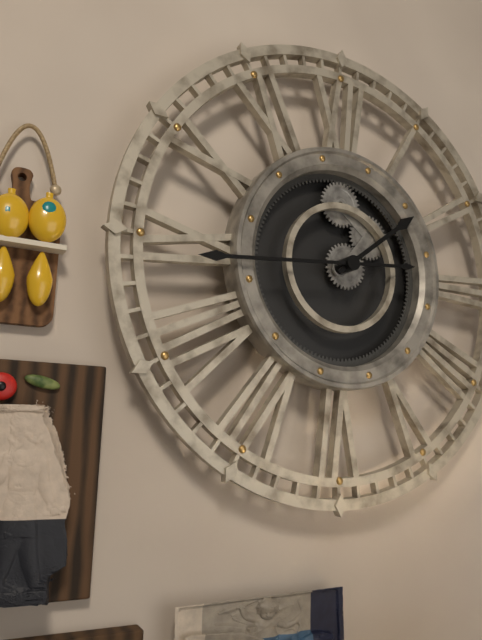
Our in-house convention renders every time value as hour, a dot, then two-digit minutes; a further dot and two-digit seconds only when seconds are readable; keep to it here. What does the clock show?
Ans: 1.44
